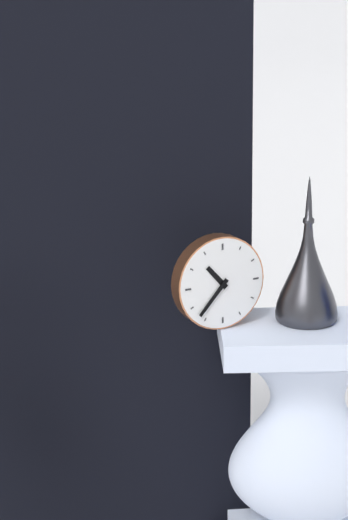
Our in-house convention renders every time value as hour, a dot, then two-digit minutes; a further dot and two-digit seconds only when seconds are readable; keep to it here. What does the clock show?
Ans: 10.37
